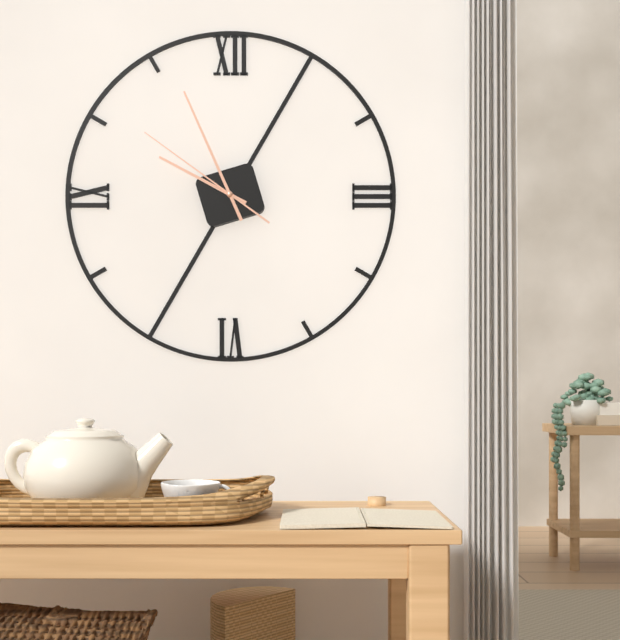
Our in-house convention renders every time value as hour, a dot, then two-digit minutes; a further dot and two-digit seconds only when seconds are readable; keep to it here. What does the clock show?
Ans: 9.56.51
